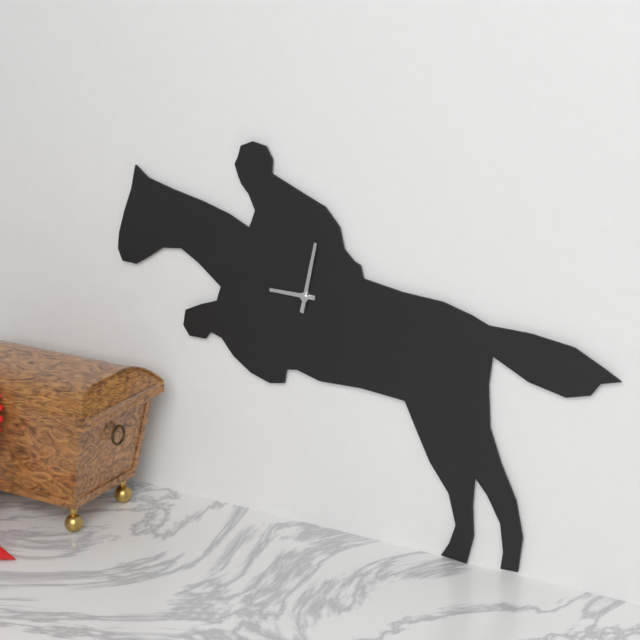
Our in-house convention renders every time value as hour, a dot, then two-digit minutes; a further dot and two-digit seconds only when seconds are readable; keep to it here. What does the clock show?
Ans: 9.02
